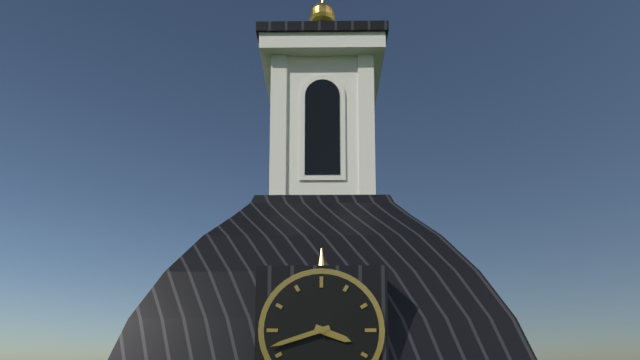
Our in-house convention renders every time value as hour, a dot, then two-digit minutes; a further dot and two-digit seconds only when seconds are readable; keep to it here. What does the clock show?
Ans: 3.42
